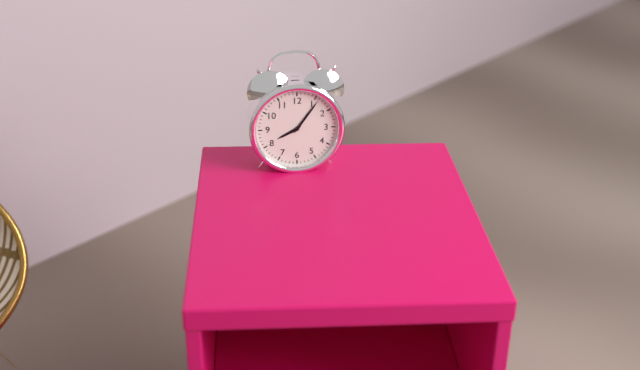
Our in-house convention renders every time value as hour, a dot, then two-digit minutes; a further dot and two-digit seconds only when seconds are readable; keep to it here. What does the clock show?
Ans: 8.06
